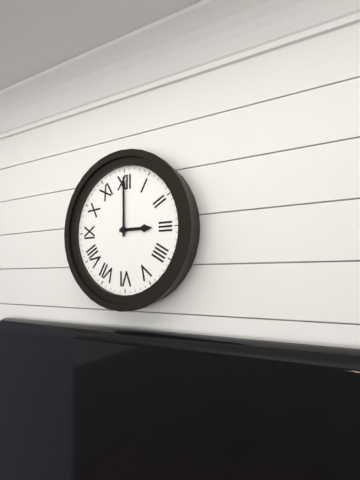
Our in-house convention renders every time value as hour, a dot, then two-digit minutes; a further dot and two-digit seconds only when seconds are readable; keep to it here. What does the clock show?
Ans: 3.00
